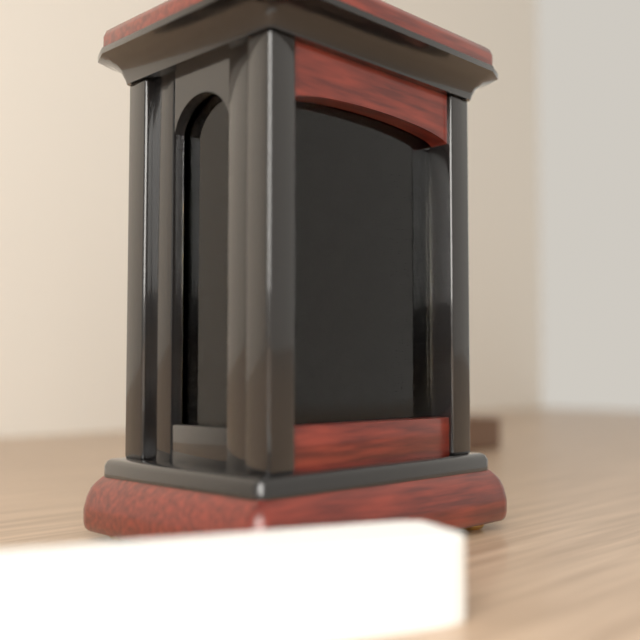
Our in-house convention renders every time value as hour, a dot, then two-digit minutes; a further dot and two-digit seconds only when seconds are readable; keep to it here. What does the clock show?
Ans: 11.28
